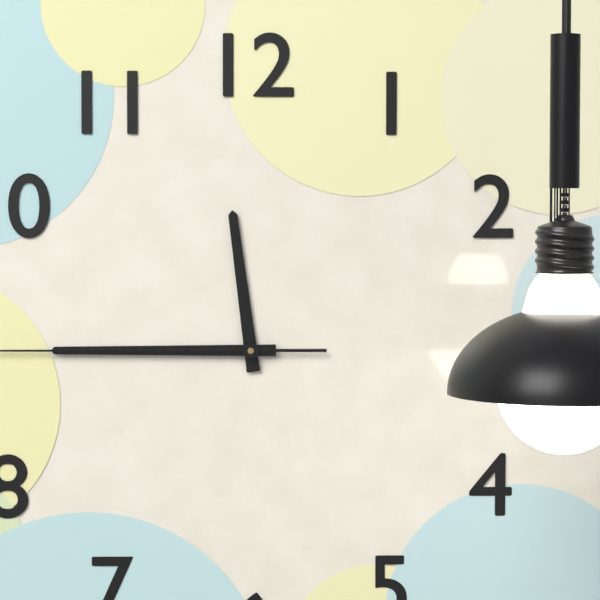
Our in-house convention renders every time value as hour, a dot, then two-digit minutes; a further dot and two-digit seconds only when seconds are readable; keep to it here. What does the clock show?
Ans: 11.45
